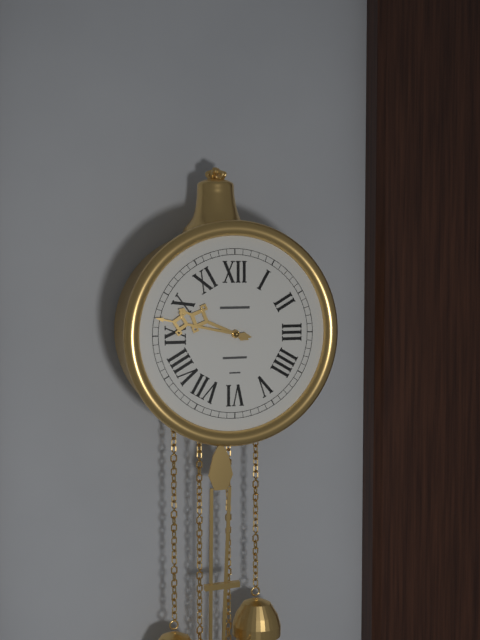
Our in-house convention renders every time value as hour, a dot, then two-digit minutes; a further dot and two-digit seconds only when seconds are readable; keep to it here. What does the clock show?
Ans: 9.47
